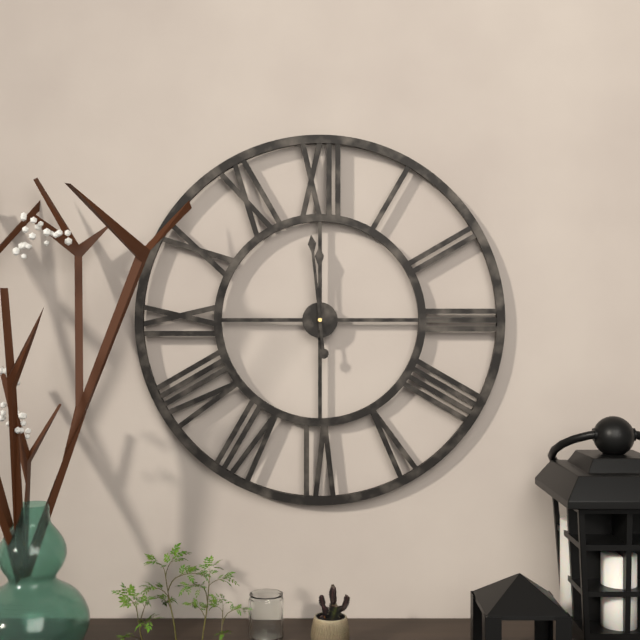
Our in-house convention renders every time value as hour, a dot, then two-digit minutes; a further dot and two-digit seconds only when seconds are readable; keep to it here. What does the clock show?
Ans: 11.59
